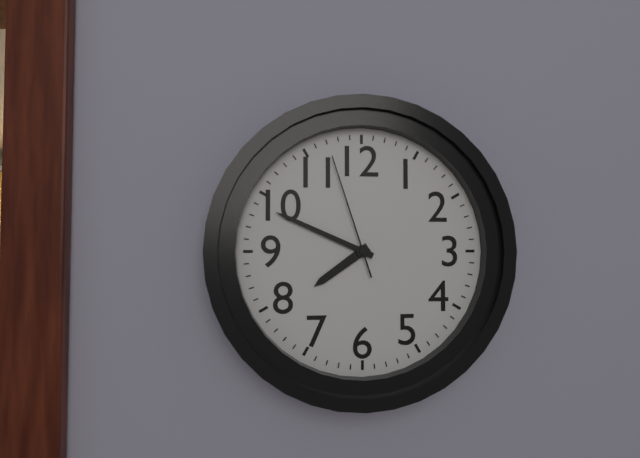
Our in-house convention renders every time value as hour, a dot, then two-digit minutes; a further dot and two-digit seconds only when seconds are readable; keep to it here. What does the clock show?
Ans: 7.49.57
